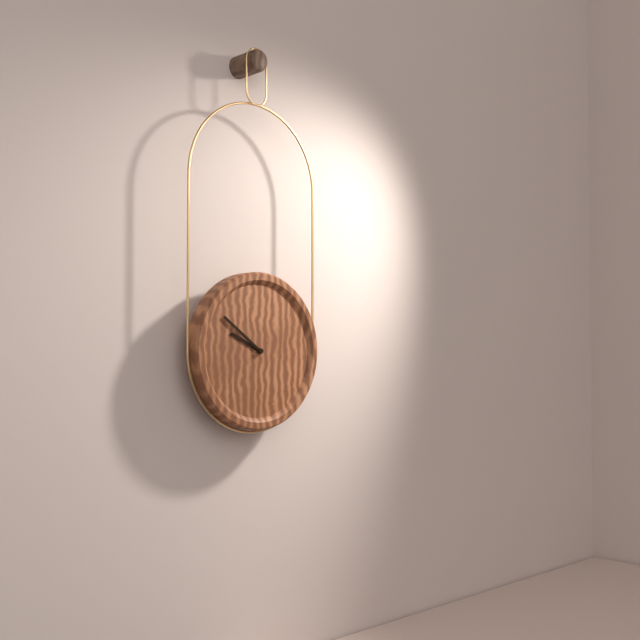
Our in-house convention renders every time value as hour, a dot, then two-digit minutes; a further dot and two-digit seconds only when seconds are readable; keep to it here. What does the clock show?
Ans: 9.51
